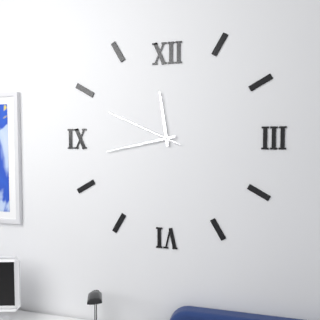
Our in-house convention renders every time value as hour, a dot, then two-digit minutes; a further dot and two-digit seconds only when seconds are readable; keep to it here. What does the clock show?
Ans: 11.43.49
